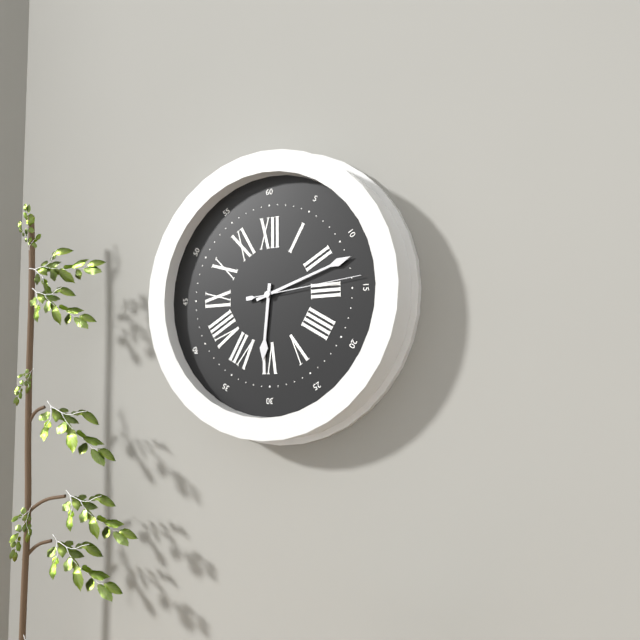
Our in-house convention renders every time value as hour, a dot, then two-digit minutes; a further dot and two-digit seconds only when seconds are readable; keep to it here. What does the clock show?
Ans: 6.12.14
